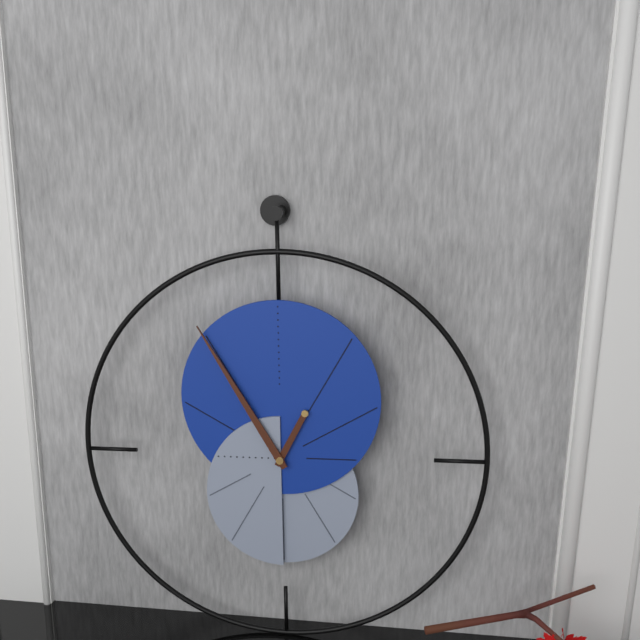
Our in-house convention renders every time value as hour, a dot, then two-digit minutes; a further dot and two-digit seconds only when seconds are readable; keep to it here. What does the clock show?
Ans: 12.55
